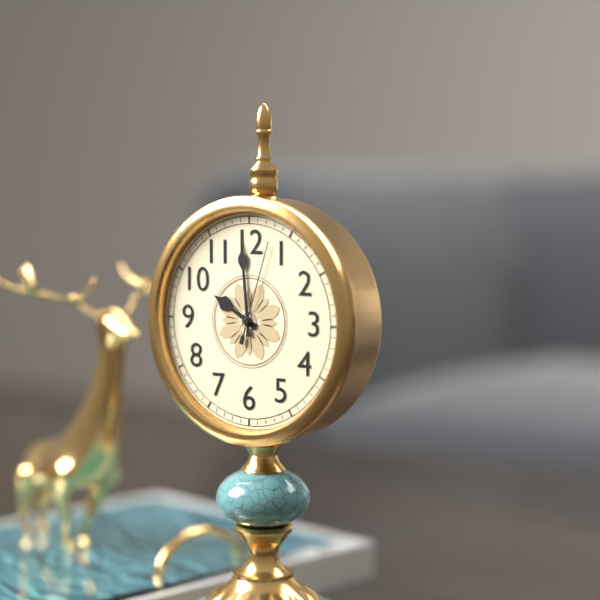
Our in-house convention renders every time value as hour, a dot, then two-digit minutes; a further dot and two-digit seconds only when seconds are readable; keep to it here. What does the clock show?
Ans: 9.59.03
